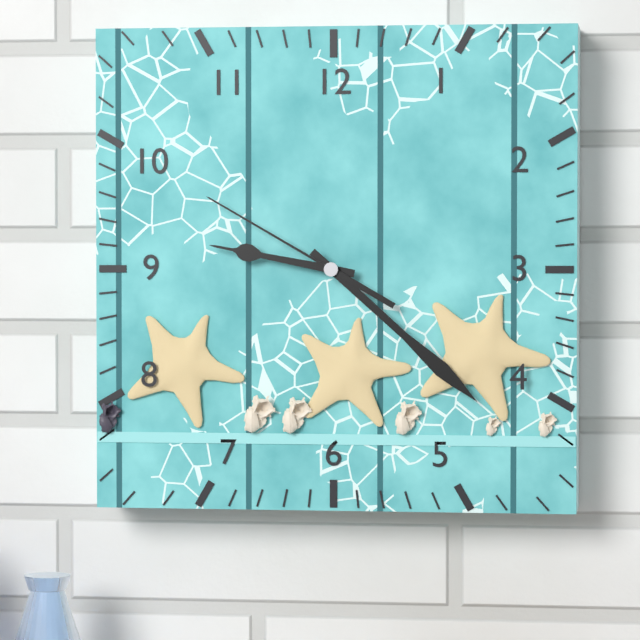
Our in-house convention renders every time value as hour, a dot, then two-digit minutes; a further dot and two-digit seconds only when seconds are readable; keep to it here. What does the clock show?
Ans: 9.22.50
